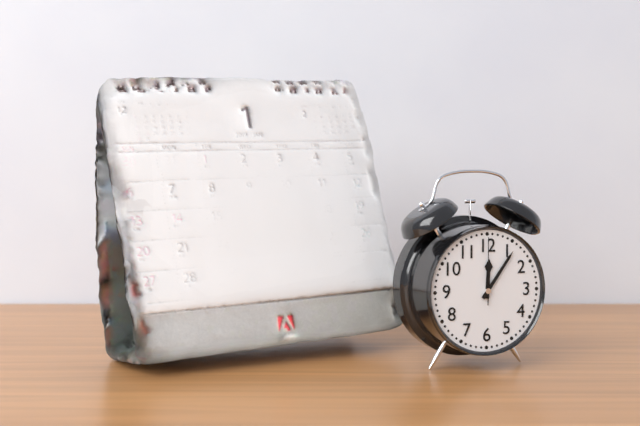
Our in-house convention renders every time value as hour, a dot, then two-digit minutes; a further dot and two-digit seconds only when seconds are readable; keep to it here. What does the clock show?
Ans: 12.06.00
